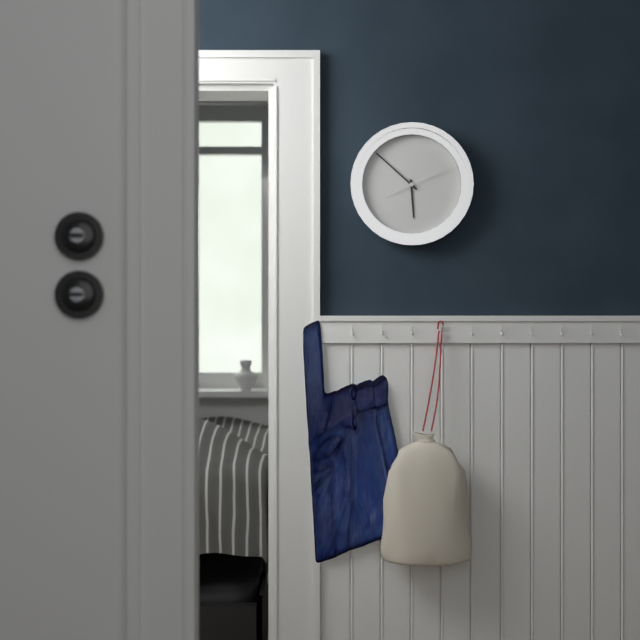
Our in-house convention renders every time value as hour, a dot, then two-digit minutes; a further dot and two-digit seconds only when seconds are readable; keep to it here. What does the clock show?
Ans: 5.52.11
